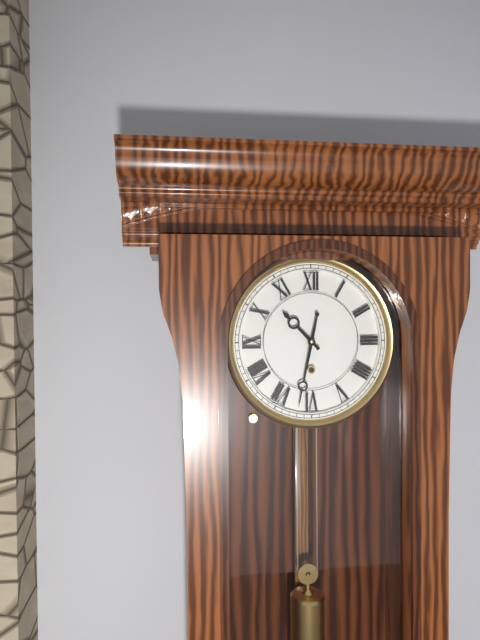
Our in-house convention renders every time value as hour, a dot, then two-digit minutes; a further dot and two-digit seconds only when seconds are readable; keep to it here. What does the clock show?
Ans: 10.32
